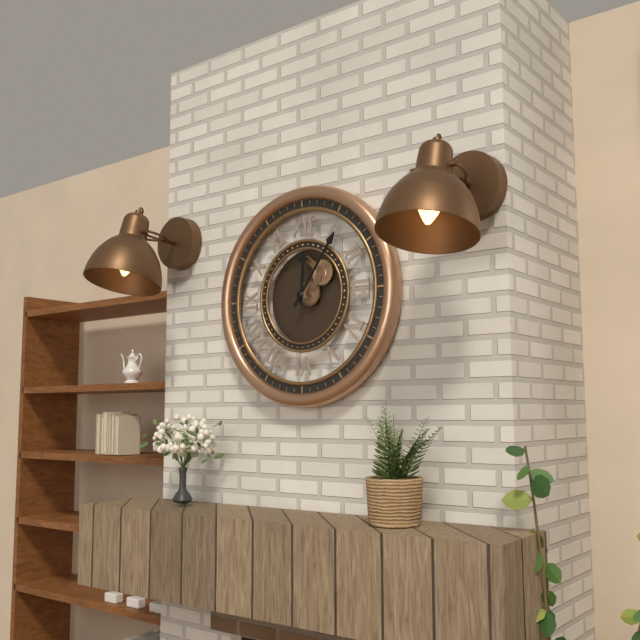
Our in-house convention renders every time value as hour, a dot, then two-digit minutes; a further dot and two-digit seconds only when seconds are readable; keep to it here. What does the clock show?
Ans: 12.06
